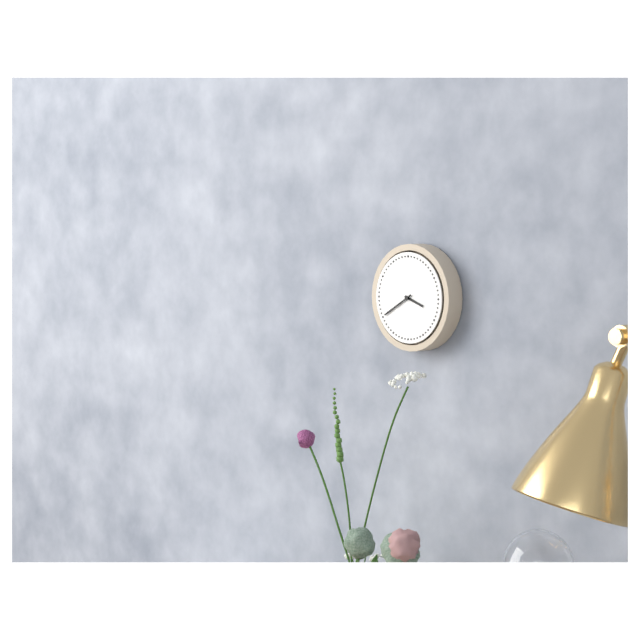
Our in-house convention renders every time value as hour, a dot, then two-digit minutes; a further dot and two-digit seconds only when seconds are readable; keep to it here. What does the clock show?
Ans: 3.40
